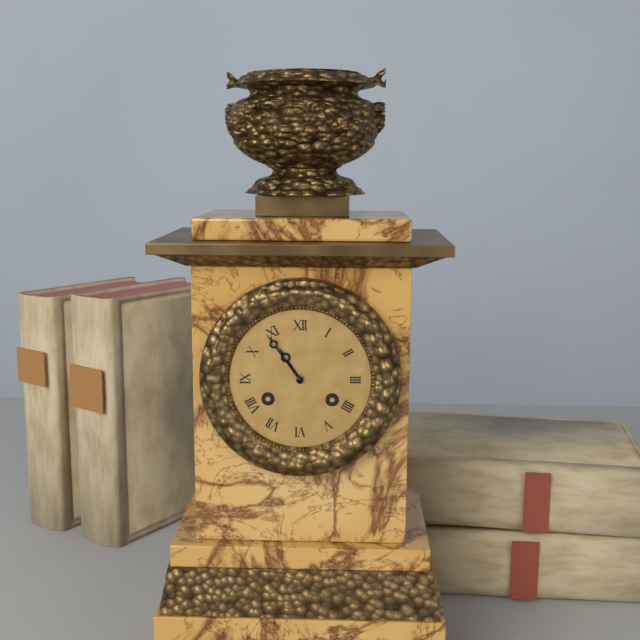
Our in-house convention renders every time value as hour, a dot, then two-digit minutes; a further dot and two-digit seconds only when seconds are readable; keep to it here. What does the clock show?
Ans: 10.54
